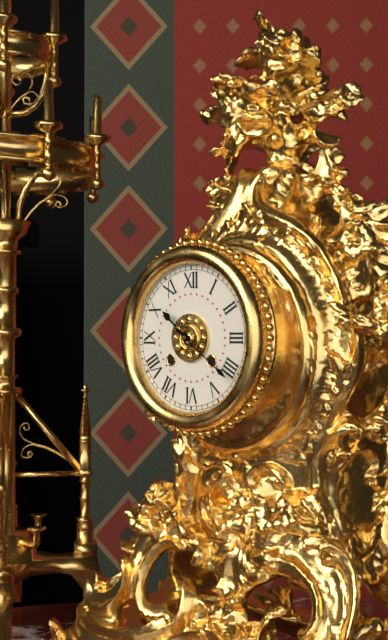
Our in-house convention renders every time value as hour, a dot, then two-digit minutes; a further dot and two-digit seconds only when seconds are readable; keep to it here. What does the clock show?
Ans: 10.21
